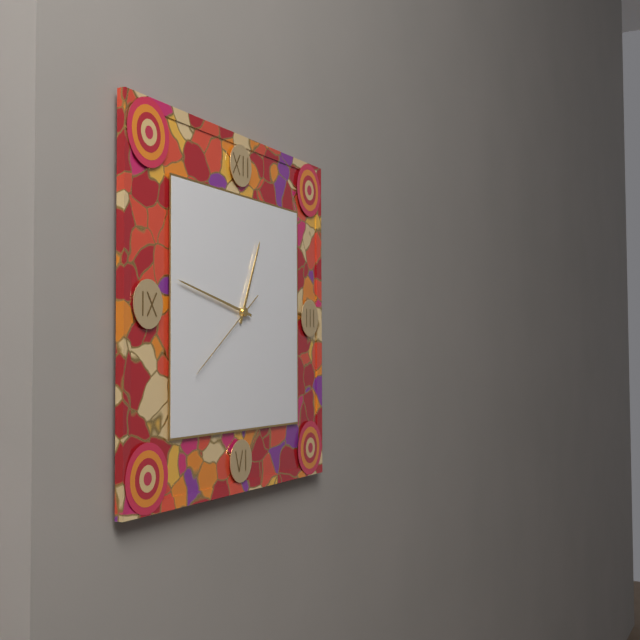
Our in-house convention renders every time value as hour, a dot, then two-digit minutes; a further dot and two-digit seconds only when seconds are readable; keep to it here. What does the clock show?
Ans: 12.47.39
